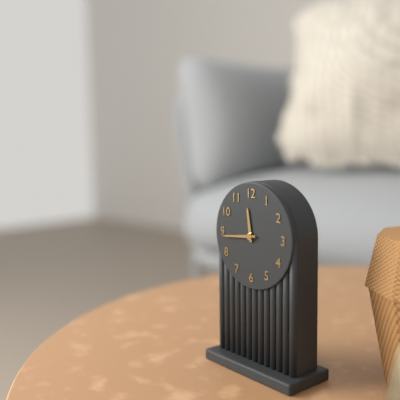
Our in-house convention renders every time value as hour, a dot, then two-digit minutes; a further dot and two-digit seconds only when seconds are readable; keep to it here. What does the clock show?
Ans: 11.44
